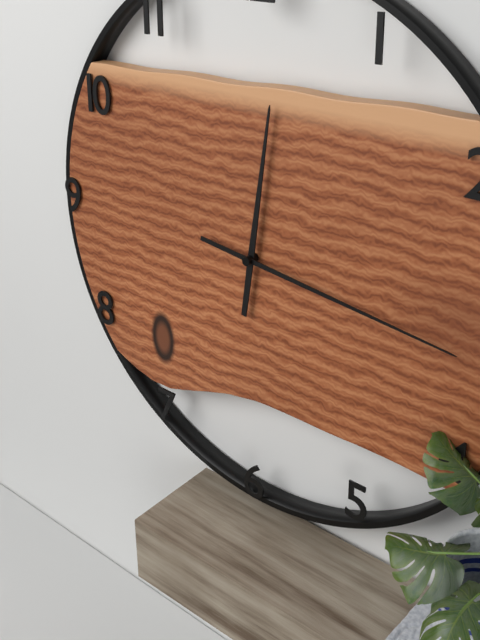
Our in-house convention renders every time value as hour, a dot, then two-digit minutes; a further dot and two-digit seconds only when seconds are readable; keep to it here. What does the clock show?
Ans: 12.16
